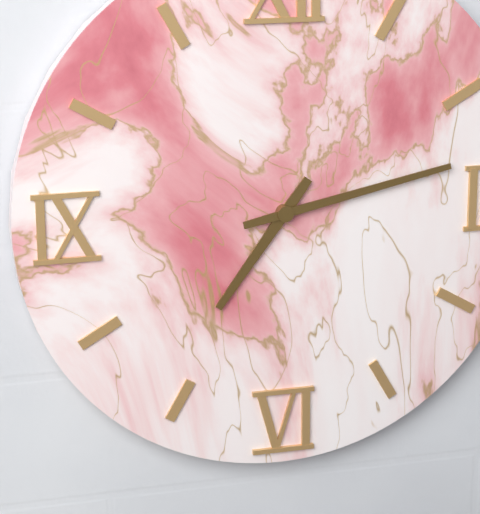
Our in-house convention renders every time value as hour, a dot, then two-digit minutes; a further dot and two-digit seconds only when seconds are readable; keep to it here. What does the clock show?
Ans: 7.13
